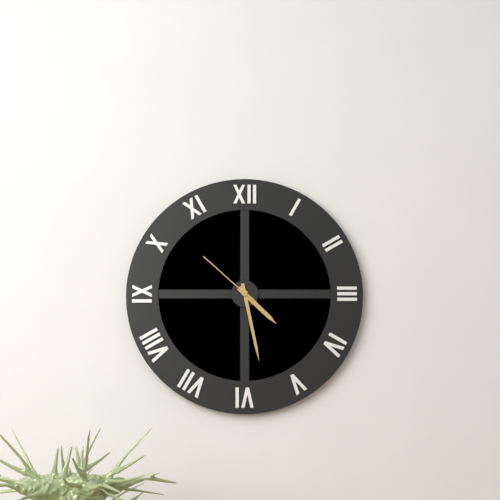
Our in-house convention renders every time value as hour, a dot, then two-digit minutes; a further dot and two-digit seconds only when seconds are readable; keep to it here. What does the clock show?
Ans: 4.28.52
